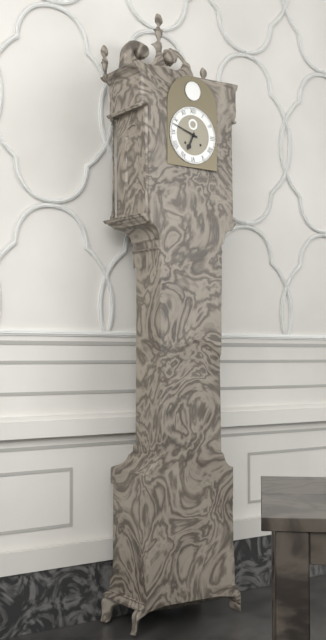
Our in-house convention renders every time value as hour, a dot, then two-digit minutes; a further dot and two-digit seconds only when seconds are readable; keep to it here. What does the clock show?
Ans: 6.48
